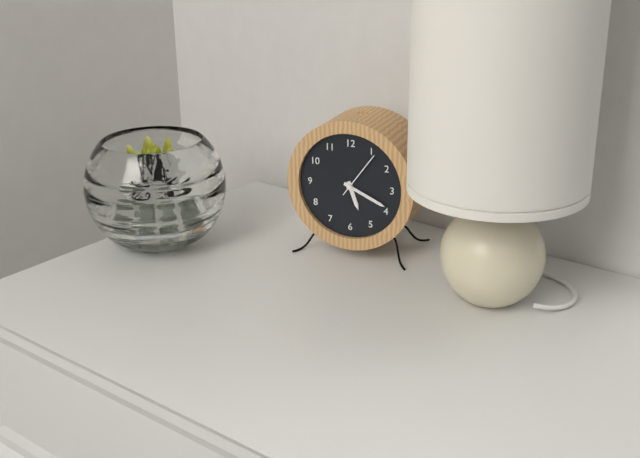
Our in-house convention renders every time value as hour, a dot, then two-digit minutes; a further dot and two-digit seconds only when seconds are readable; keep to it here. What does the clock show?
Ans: 5.19.06
